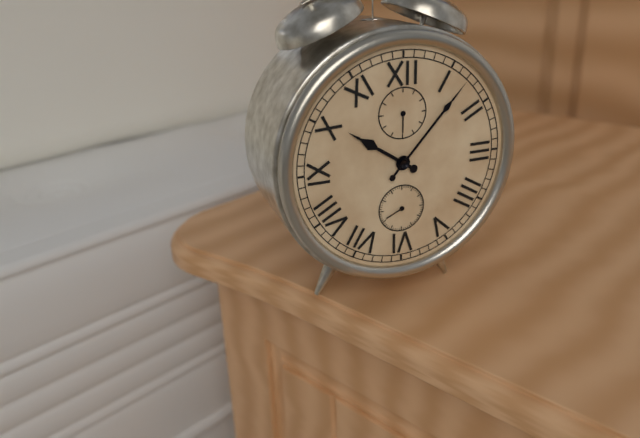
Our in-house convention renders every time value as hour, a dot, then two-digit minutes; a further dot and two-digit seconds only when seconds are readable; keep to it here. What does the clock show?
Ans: 10.07
